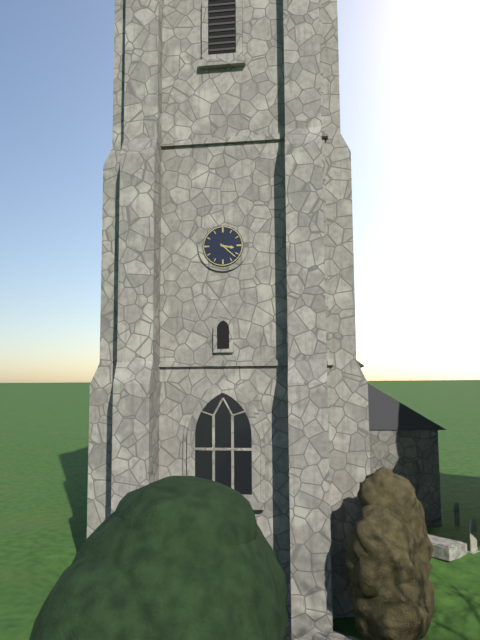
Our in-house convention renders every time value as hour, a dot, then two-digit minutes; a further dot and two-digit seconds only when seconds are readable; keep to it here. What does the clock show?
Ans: 3.22
